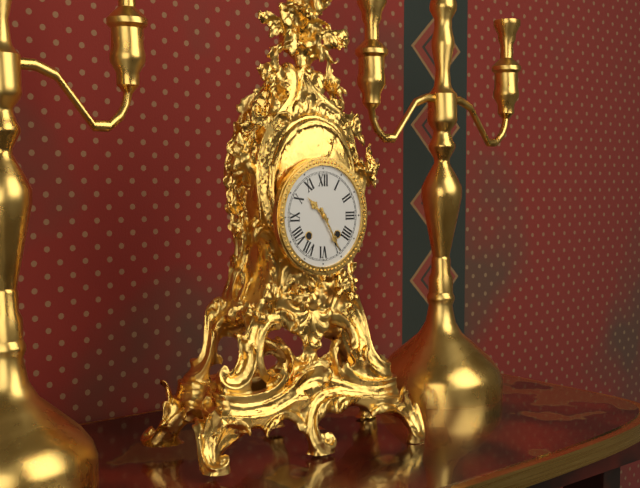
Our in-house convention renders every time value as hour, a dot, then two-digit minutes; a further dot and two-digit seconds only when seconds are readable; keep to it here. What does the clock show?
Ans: 10.25
